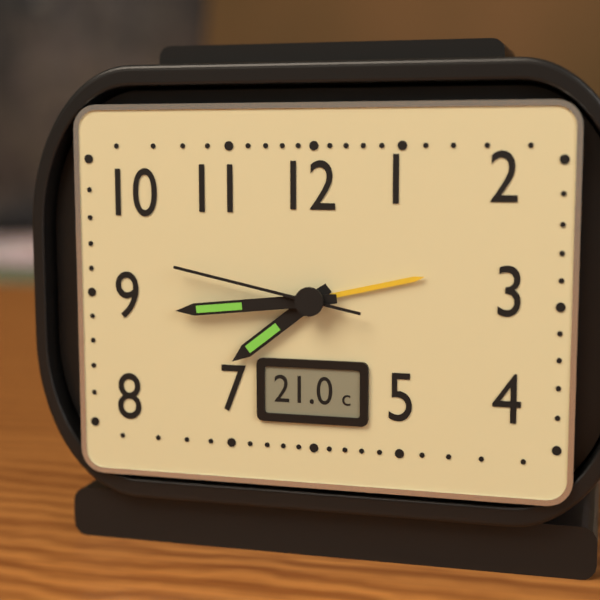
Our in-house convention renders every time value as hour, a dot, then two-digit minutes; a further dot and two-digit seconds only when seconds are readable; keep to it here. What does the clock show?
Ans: 7.44.47
